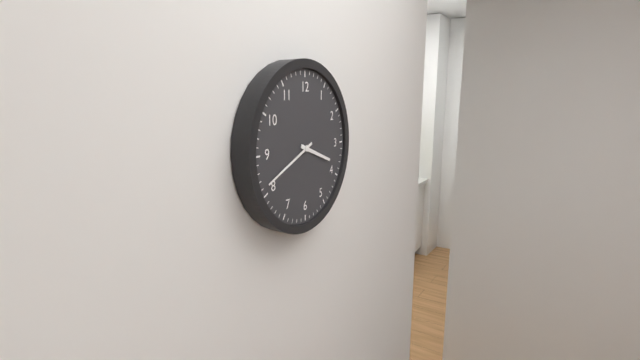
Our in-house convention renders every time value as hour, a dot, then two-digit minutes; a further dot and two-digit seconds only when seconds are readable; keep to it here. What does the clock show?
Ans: 3.41
